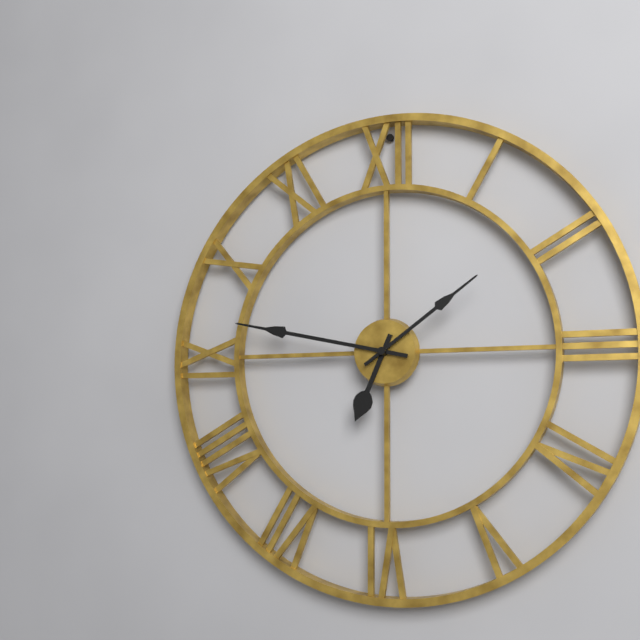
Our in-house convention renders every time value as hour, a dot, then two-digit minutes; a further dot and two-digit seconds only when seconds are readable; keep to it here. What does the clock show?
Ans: 6.47.09
